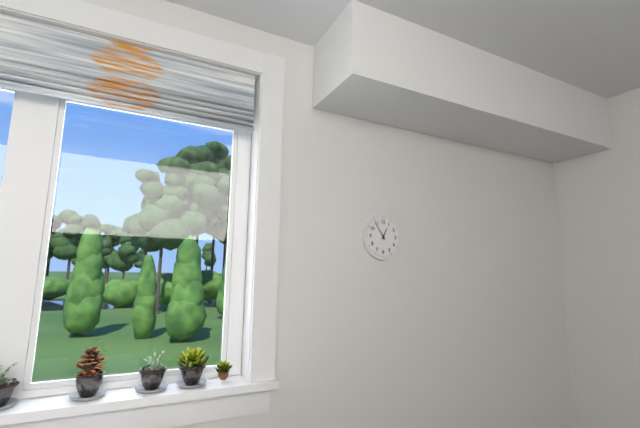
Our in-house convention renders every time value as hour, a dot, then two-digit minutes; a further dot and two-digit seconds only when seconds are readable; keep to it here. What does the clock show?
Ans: 12.54
